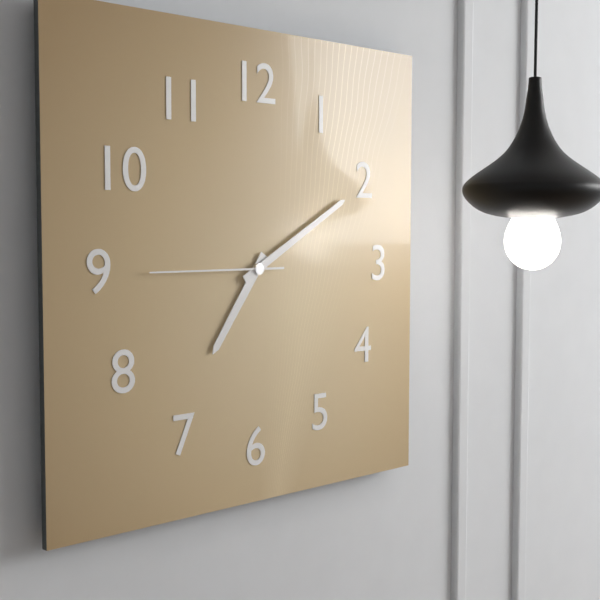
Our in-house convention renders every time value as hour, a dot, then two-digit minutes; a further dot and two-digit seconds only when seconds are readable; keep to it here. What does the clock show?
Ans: 7.10.45
